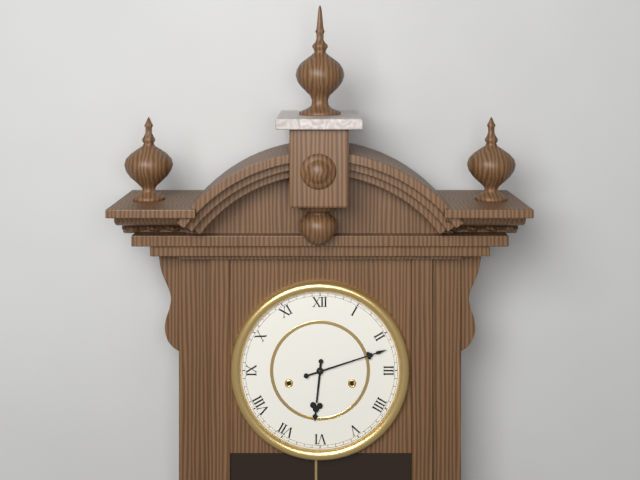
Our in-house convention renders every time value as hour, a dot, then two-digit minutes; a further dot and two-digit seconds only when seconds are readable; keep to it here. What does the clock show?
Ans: 6.12
